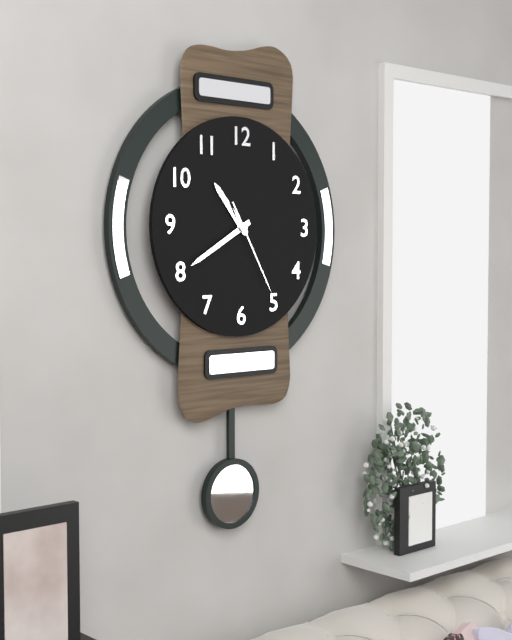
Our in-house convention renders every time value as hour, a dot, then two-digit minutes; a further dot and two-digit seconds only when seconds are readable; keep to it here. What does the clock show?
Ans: 10.40.25
